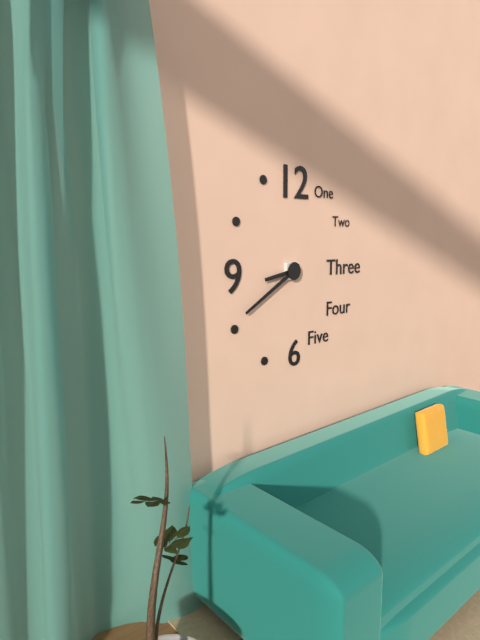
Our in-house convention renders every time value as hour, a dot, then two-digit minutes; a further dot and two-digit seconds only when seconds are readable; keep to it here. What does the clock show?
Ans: 8.40
